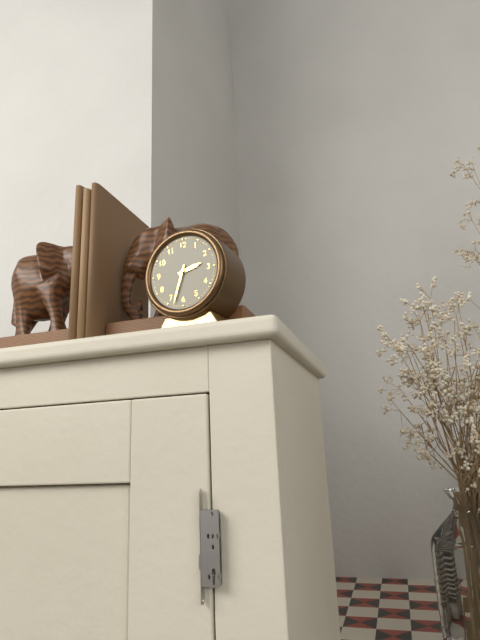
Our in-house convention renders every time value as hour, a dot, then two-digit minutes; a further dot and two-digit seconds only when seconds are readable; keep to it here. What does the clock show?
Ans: 2.33
